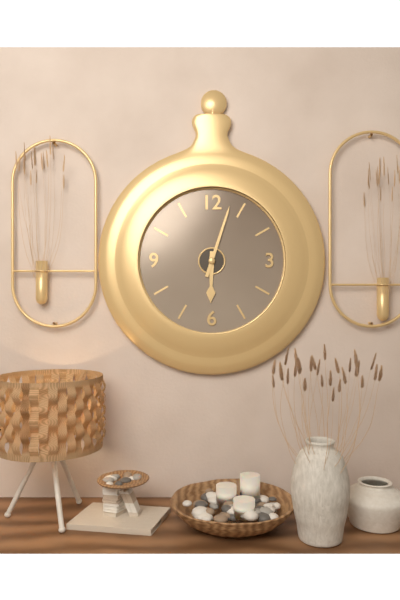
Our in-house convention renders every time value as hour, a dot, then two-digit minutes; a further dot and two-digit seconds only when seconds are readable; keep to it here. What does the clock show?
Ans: 6.03
